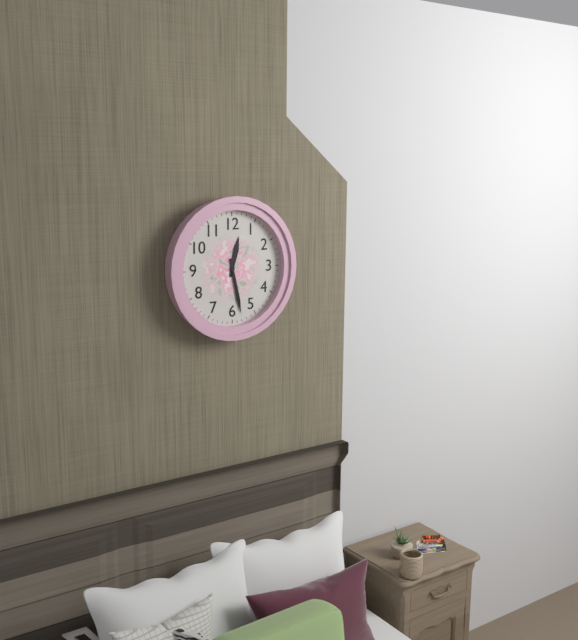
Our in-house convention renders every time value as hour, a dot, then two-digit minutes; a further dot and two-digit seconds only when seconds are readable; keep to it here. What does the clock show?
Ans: 12.28
